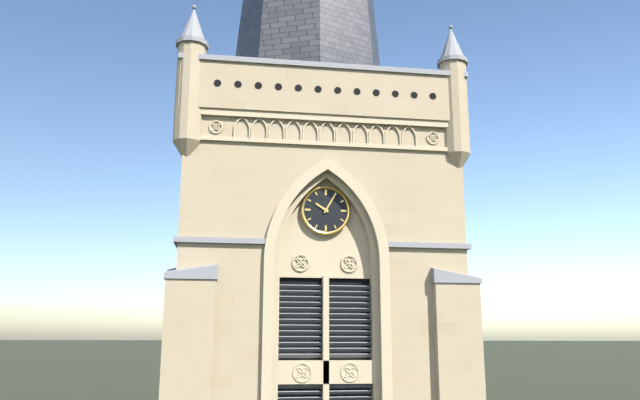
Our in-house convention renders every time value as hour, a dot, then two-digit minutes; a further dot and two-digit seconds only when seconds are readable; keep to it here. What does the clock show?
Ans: 10.05
